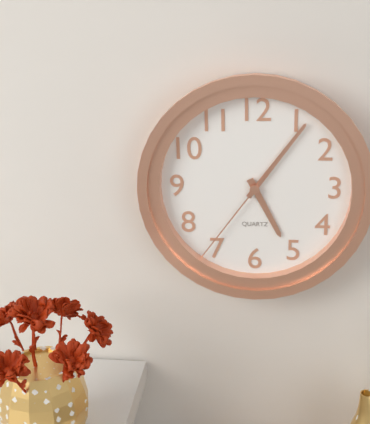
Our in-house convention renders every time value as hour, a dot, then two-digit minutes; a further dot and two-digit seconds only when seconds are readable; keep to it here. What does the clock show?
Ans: 5.06.36
